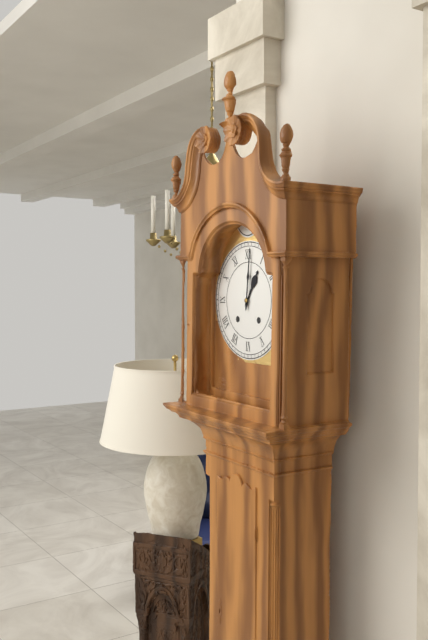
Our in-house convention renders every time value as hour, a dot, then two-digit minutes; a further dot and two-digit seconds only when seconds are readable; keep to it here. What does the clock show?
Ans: 1.01
